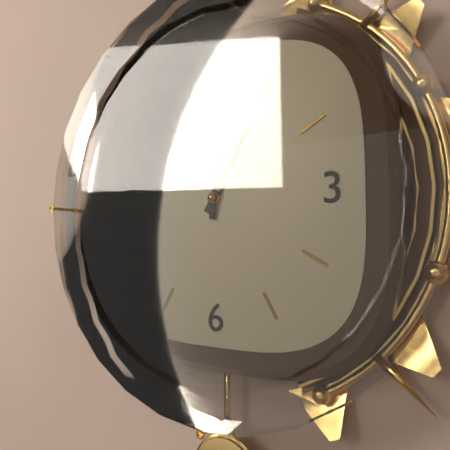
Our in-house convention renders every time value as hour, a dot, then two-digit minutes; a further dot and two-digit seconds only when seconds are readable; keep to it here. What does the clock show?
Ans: 1.01
